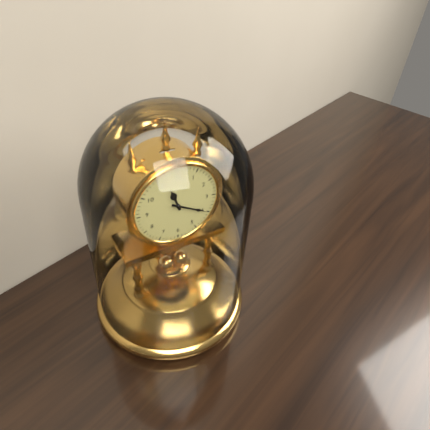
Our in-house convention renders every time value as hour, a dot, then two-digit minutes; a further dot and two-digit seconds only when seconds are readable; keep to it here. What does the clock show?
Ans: 11.20
